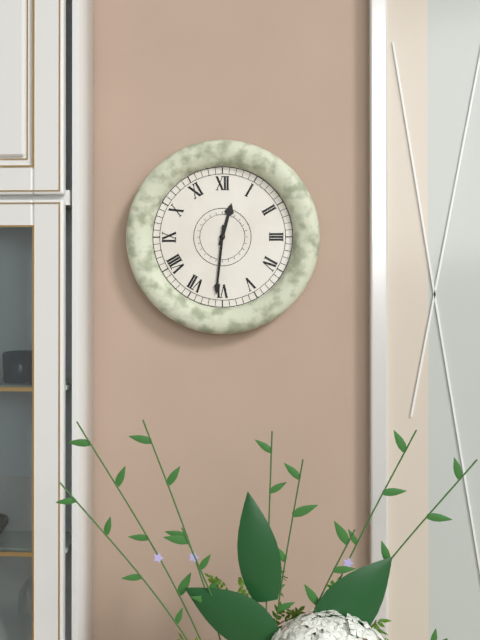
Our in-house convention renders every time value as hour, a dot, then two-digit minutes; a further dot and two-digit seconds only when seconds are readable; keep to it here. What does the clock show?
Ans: 12.31
